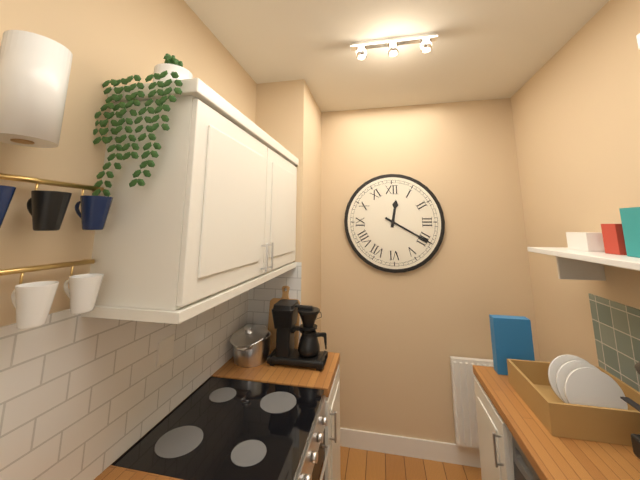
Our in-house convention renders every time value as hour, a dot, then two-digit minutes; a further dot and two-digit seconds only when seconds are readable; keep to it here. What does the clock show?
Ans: 12.20
